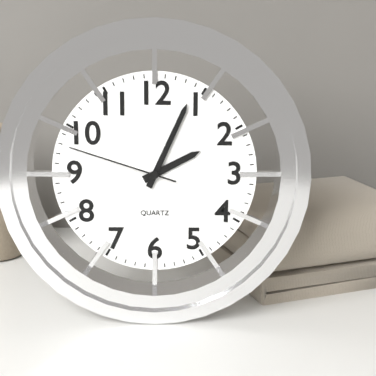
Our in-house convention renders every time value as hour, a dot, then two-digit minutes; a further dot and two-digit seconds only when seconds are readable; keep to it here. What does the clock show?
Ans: 2.04.48
